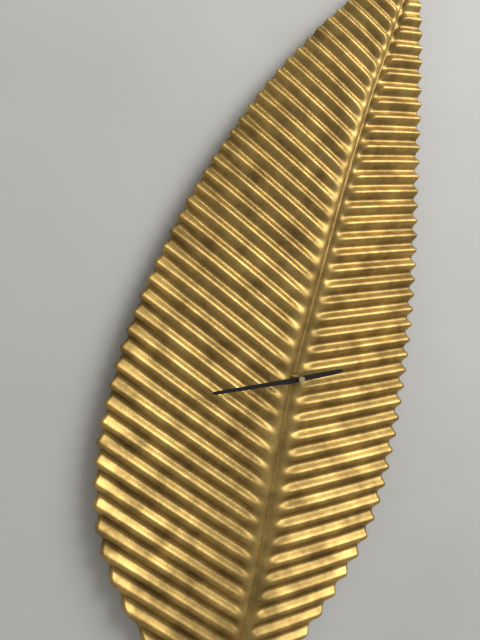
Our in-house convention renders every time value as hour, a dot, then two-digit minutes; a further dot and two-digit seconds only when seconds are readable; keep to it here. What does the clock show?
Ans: 2.44
